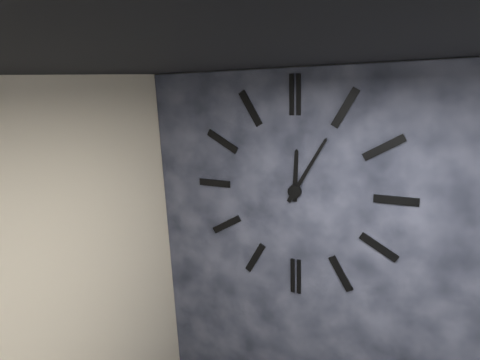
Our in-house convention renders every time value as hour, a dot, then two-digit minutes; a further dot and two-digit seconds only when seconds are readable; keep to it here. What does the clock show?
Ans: 12.05
